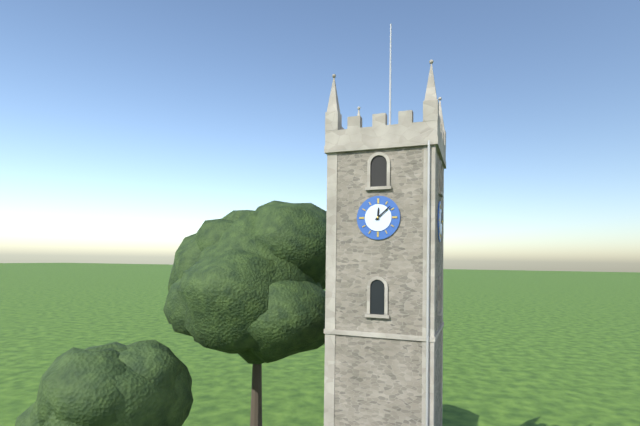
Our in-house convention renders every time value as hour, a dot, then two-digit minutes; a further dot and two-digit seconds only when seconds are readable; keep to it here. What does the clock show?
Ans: 12.08
